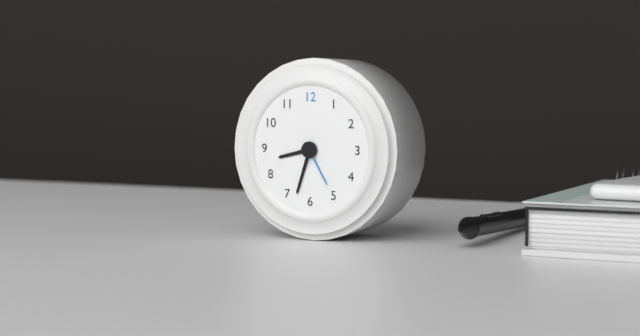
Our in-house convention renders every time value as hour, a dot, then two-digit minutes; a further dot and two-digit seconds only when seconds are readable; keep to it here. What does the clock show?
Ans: 8.33
